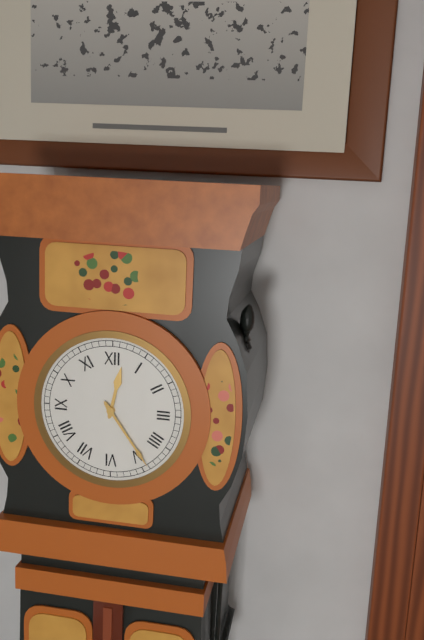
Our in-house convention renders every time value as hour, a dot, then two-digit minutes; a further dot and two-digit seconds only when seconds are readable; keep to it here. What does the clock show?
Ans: 12.24
